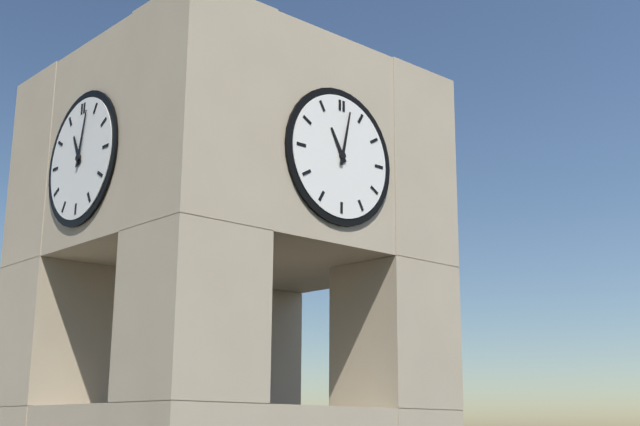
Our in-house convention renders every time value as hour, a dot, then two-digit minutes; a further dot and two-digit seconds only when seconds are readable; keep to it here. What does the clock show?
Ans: 11.02
